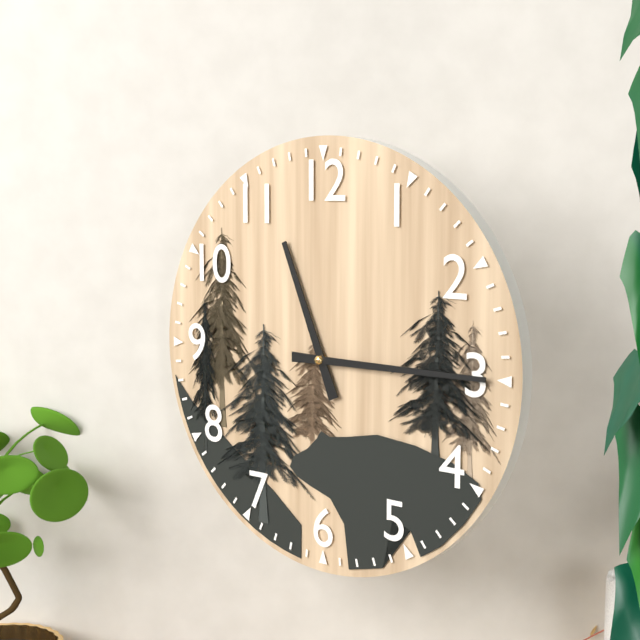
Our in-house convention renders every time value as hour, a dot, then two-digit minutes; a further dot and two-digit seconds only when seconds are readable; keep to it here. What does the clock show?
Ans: 11.15
